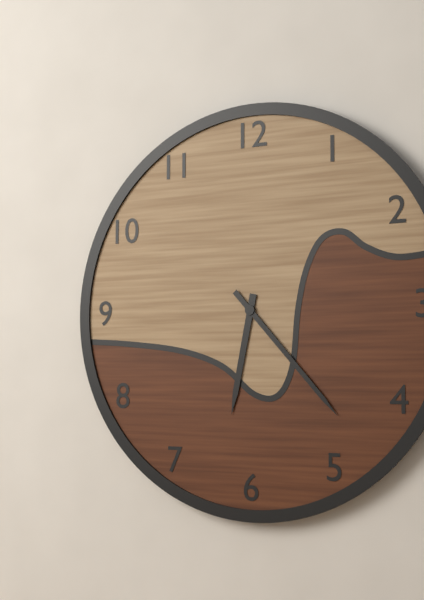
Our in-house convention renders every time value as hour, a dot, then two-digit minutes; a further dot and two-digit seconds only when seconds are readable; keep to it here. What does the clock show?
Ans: 6.23
